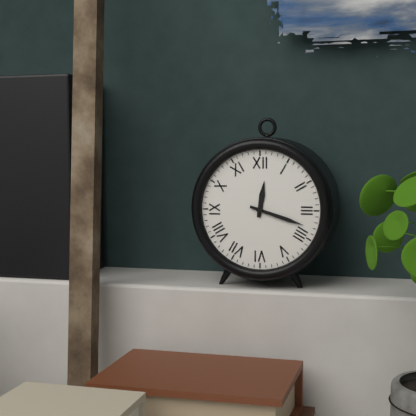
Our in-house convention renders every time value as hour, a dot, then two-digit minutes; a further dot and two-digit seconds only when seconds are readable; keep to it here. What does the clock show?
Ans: 12.18
